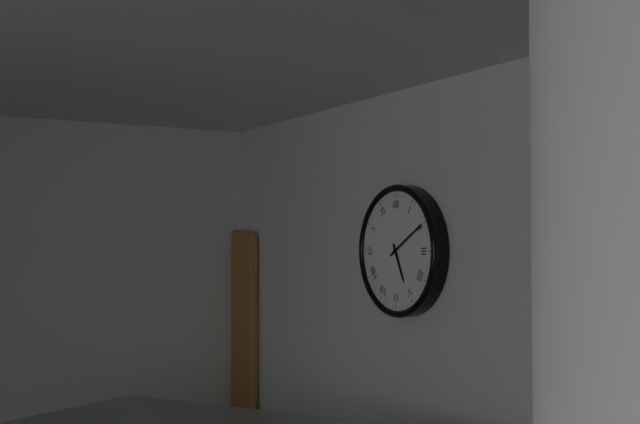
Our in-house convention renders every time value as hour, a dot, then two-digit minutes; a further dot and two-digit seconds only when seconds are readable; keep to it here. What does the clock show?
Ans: 5.10
